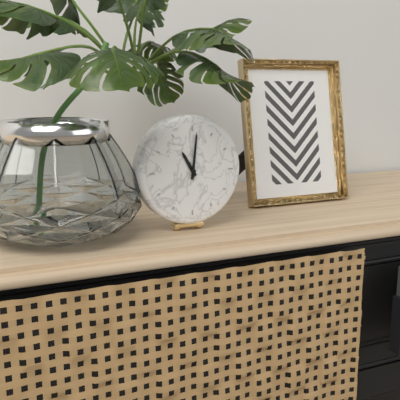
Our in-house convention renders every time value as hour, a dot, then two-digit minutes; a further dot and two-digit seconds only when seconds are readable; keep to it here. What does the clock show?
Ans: 11.01
